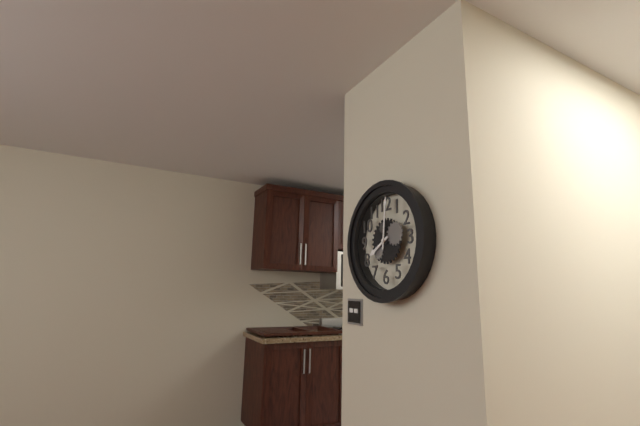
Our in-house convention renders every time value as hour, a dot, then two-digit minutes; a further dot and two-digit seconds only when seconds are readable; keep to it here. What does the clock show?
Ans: 8.01
